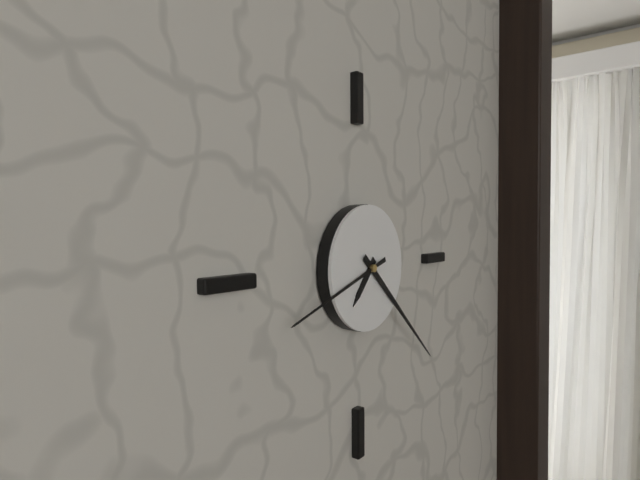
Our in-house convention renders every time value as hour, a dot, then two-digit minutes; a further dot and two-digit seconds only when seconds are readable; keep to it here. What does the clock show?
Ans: 7.22.42
